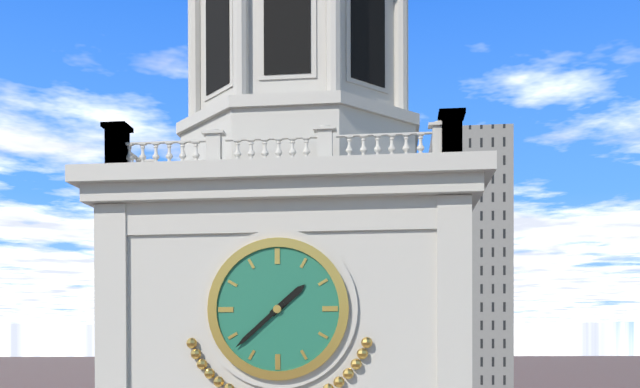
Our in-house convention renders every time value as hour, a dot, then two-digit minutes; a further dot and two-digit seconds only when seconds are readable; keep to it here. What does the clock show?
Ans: 1.38
